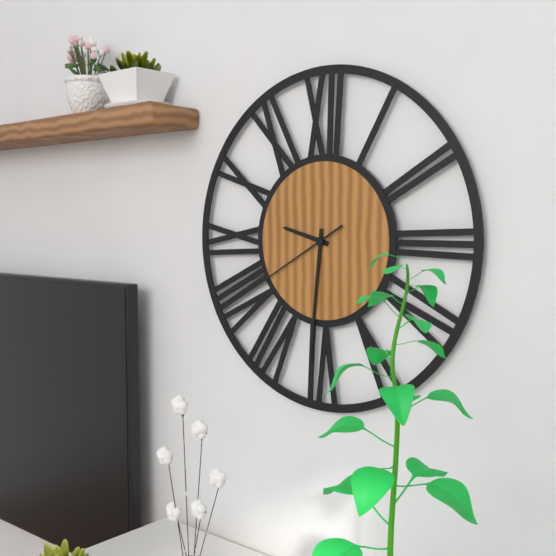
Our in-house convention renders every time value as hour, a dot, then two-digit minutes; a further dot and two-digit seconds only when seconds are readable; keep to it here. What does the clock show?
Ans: 9.31.40
